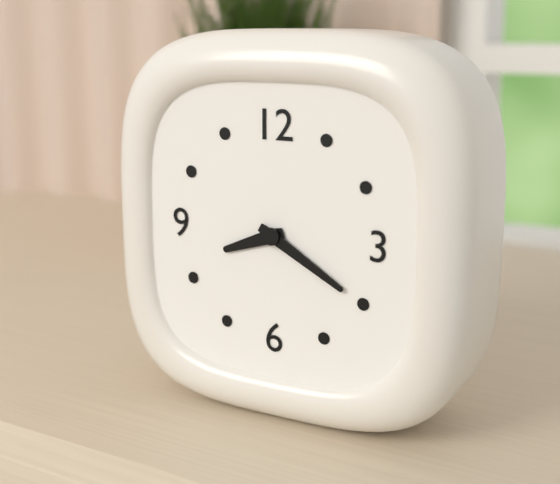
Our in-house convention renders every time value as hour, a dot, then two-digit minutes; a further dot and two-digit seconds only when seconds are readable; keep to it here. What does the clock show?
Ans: 8.20
